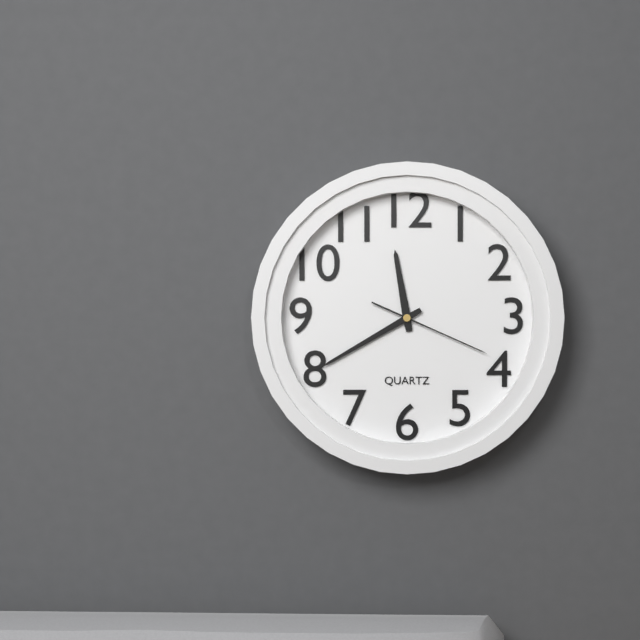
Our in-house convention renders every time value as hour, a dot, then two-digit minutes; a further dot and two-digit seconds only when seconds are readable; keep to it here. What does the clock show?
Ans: 11.40.19
